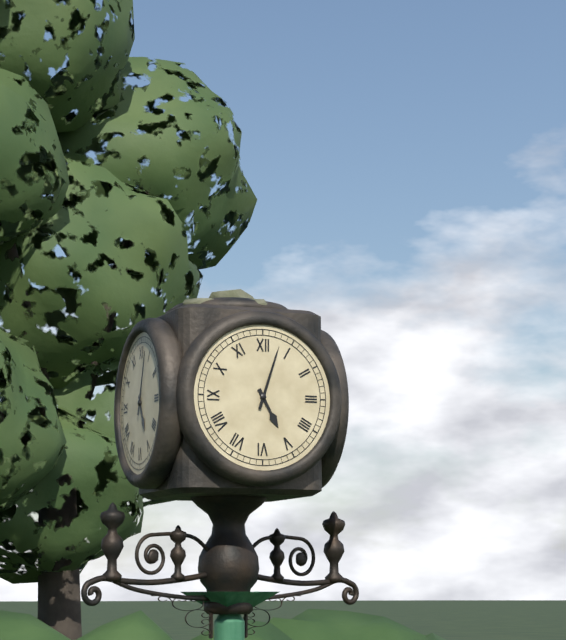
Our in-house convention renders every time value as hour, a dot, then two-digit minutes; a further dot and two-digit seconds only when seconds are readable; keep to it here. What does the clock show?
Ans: 5.03
